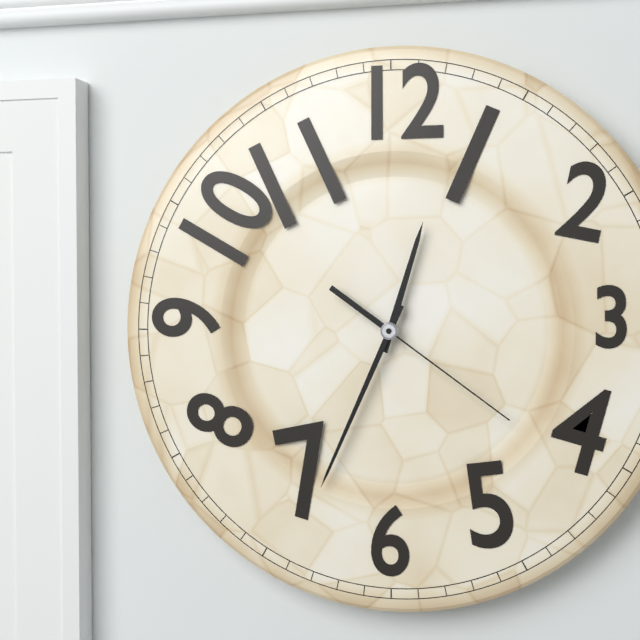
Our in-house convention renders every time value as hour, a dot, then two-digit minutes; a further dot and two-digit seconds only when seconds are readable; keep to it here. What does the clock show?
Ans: 12.34.21
